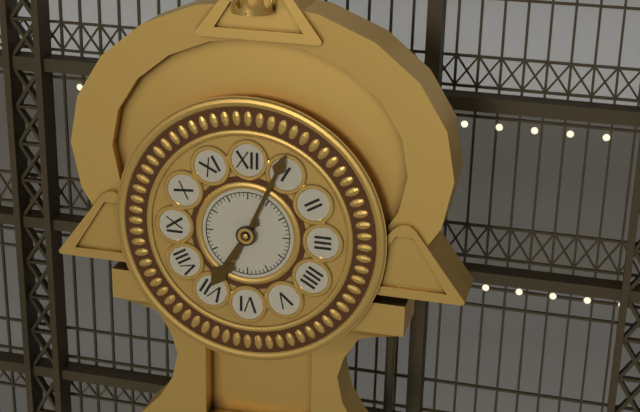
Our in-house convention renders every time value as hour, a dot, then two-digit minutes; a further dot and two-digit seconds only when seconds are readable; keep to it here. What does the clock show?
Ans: 7.04
